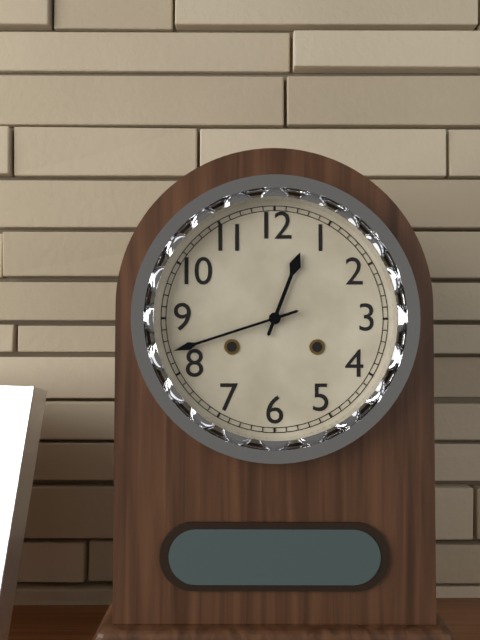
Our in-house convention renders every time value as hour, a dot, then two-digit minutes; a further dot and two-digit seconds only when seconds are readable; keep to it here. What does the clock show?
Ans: 12.42
